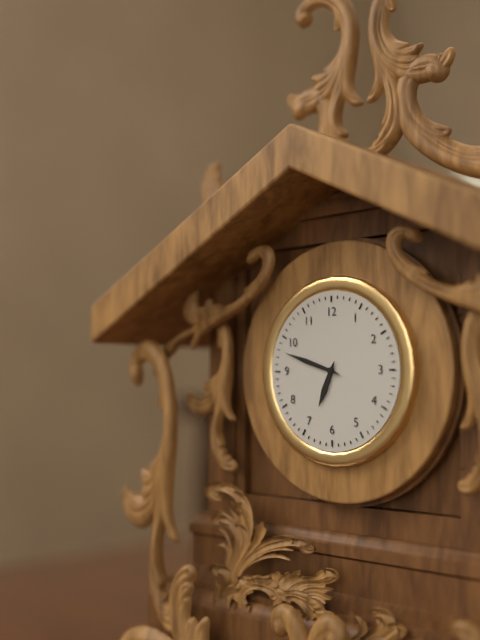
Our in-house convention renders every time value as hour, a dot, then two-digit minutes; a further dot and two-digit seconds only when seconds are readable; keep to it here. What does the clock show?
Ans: 6.48
